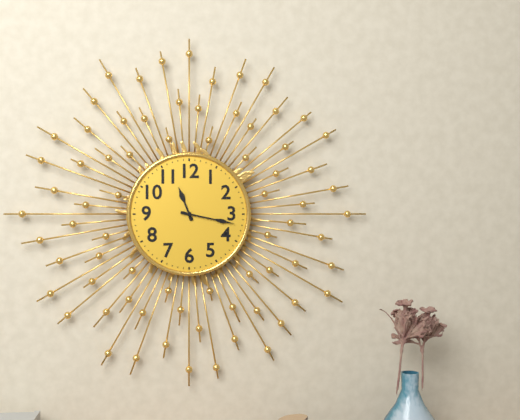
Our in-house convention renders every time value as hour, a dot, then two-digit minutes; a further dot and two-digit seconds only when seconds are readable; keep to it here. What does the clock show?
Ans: 11.17
